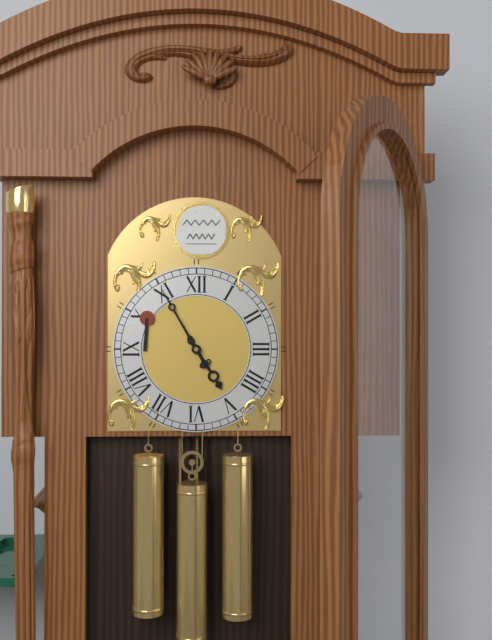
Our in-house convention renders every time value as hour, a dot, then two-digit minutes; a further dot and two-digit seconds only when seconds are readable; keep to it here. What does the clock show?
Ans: 4.55
